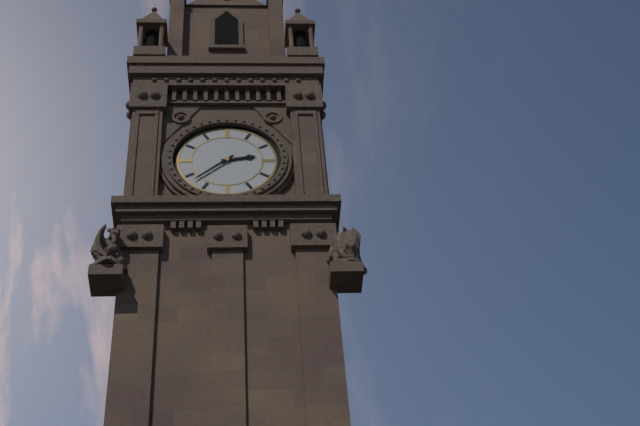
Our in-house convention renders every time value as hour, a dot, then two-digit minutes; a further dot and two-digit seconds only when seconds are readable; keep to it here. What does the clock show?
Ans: 2.38
